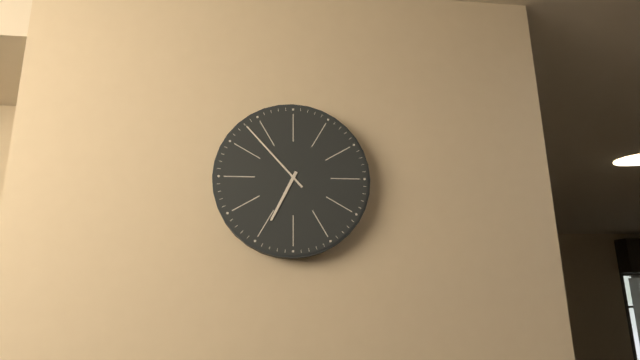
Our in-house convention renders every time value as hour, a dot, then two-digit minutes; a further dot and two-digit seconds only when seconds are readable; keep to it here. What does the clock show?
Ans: 6.53
